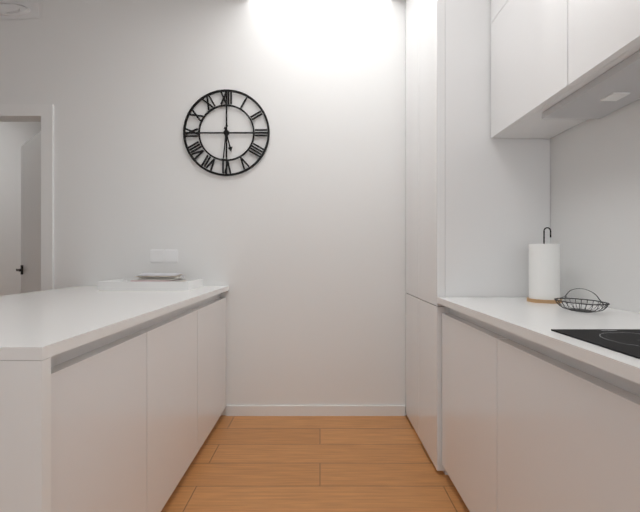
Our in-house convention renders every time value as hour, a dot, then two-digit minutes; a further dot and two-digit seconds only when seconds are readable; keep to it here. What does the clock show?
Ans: 5.31
